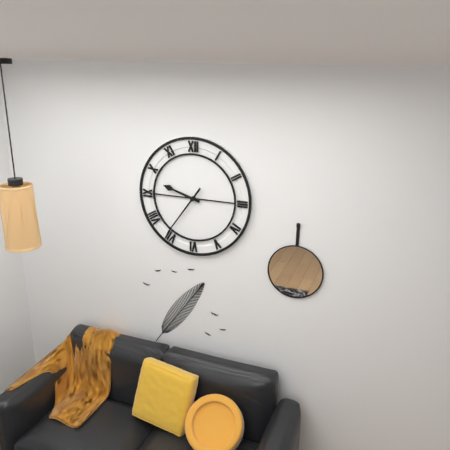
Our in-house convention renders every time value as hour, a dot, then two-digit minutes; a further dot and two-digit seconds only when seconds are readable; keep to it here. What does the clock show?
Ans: 9.36
